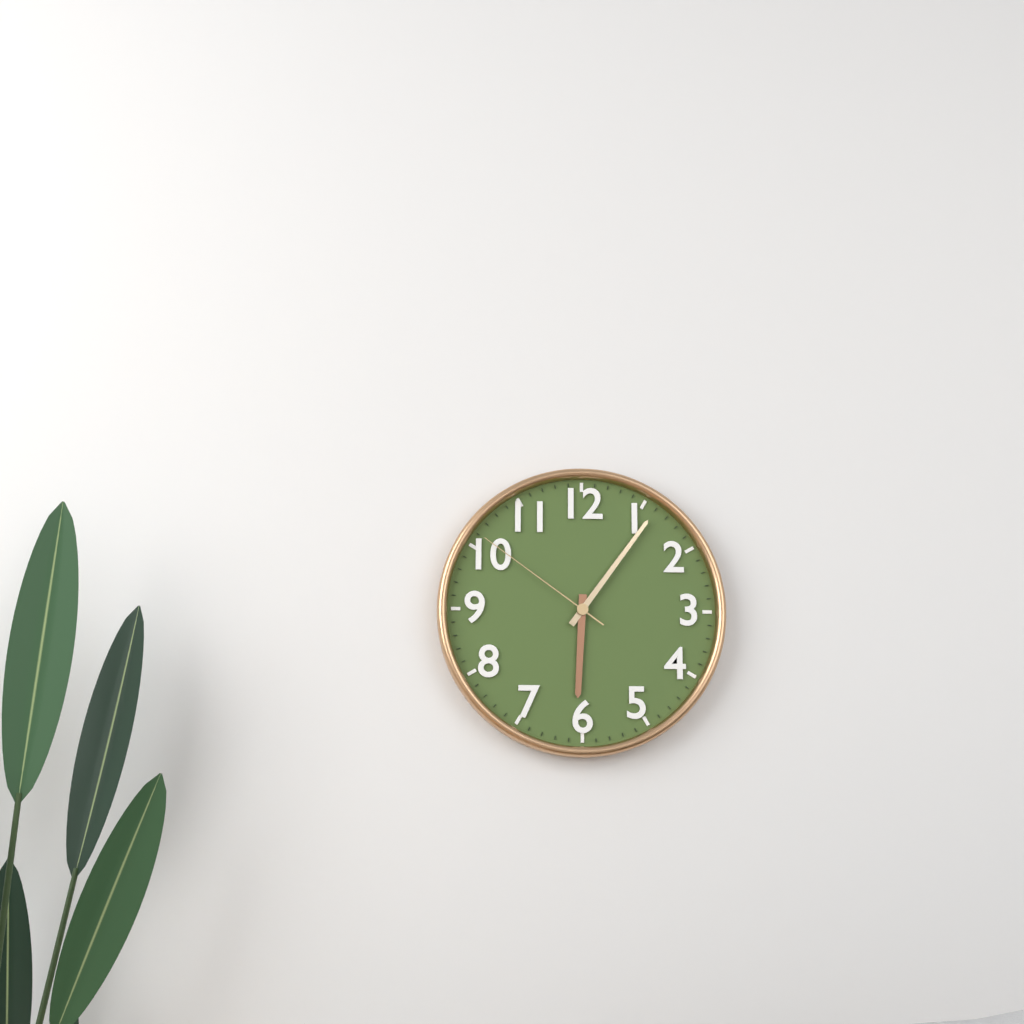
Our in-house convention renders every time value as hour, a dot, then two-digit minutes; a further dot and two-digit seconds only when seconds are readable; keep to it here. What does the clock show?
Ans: 6.06.51
